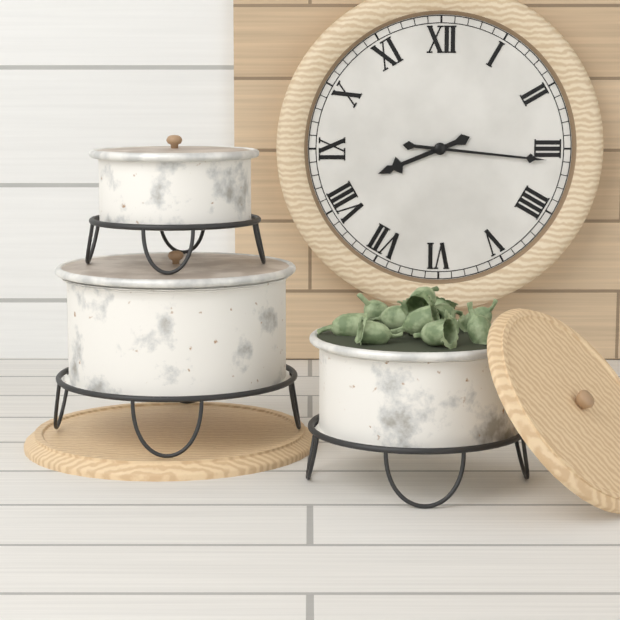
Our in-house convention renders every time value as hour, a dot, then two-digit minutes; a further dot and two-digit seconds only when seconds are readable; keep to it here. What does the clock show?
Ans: 8.16
